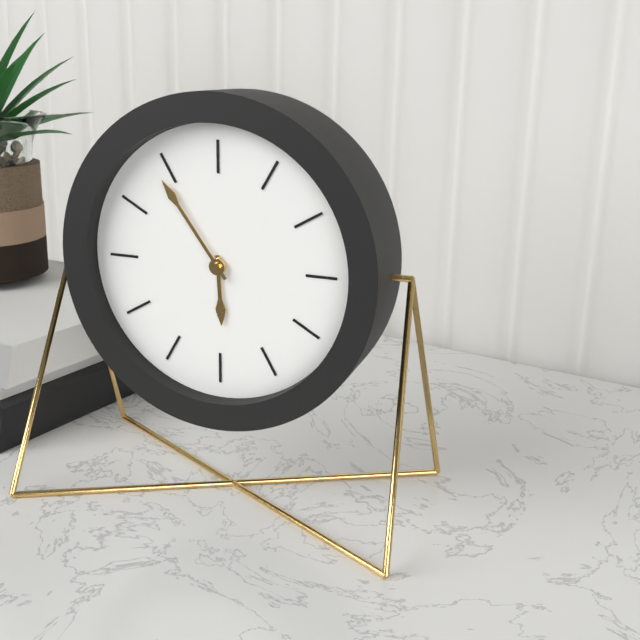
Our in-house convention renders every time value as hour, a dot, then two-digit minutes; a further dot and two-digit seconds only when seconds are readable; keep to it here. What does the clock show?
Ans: 5.54
